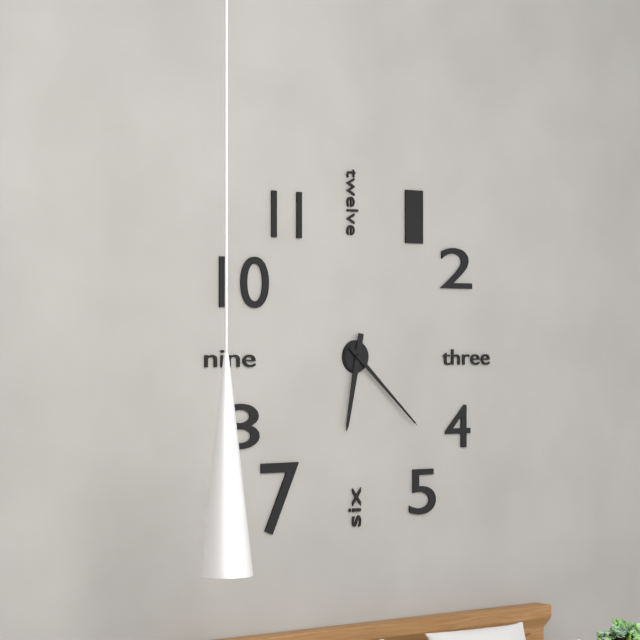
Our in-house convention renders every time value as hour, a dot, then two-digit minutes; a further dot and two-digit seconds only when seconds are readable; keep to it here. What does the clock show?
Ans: 6.22
